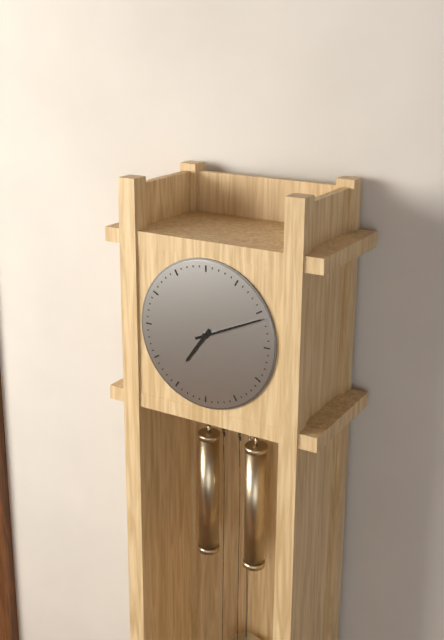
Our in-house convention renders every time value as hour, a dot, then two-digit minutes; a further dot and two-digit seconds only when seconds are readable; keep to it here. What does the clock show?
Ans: 7.11
